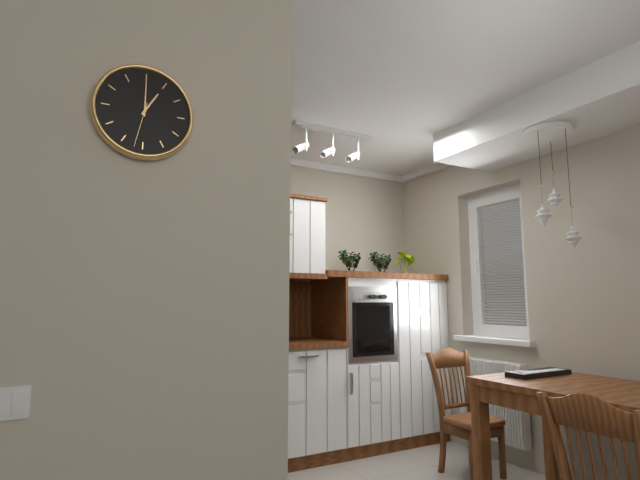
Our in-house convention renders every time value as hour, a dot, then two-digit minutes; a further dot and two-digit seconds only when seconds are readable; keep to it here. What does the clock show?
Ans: 1.00
